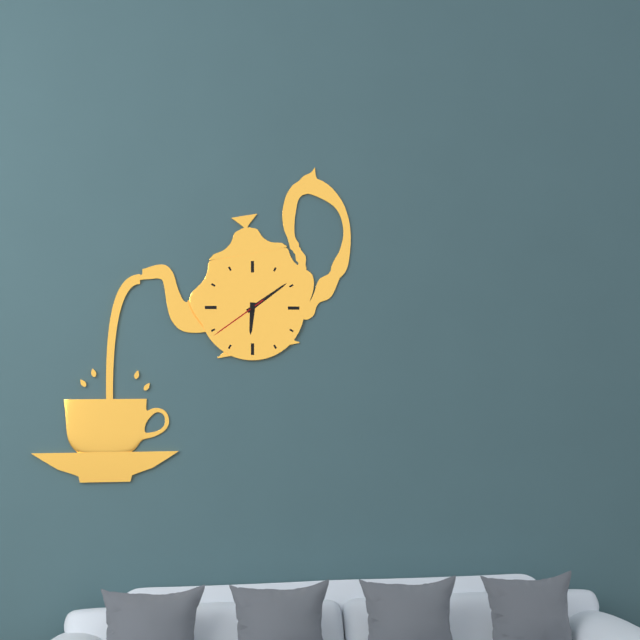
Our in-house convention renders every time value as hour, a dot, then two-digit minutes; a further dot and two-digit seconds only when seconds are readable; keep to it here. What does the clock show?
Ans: 6.09.39
